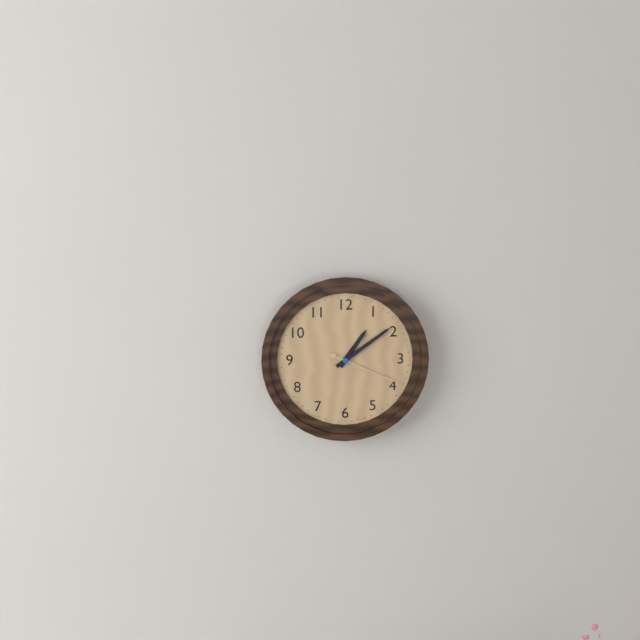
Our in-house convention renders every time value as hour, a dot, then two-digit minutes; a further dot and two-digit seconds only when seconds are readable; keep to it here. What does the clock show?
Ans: 1.09.19
